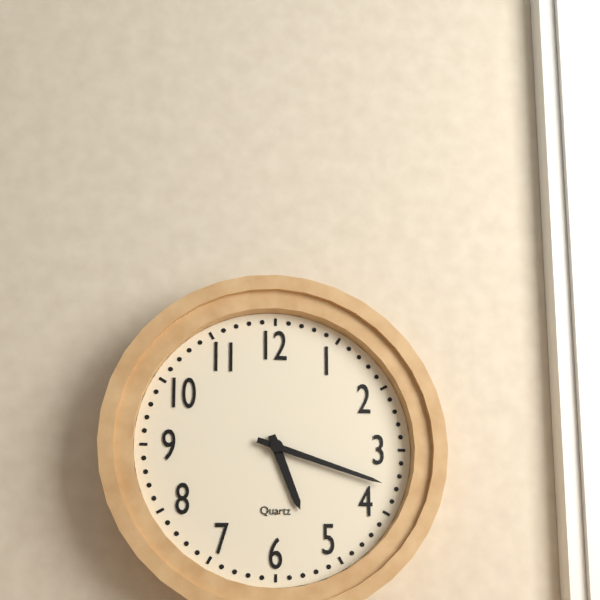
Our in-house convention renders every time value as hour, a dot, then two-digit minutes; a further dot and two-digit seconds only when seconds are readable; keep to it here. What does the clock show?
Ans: 5.18
